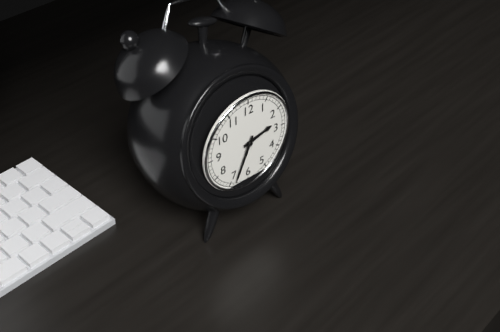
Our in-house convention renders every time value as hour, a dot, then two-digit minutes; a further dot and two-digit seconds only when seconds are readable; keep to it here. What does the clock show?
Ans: 2.34
